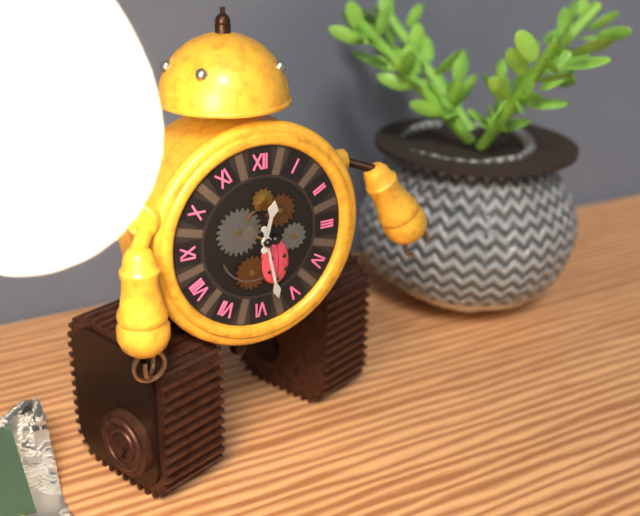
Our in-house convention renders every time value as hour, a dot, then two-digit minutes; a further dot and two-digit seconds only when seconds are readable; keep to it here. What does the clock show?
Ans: 12.28
